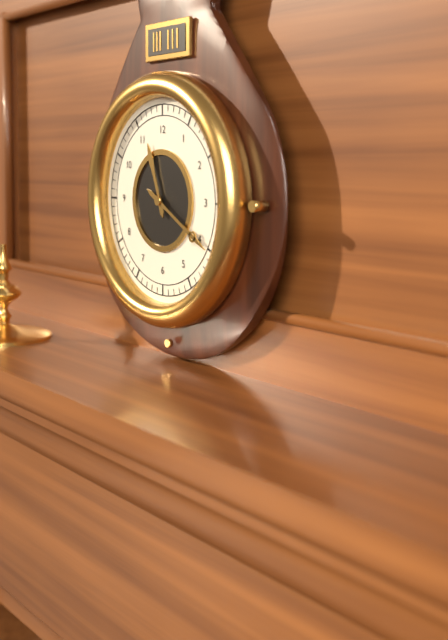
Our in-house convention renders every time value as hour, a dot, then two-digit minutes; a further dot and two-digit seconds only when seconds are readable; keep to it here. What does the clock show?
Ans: 11.20
